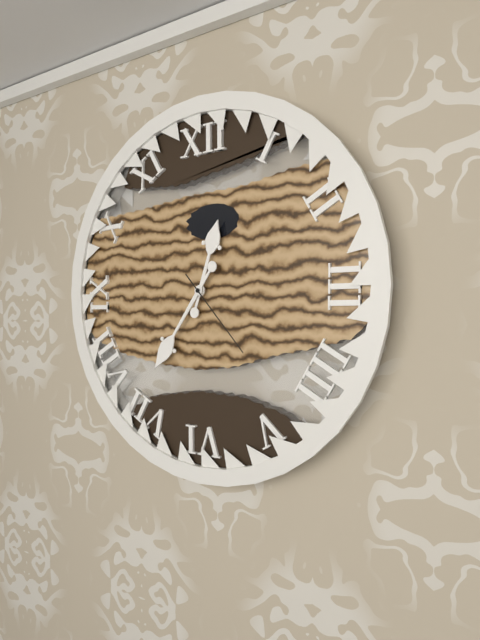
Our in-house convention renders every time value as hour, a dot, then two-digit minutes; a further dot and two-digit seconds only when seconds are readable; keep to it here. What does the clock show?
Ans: 12.36.23
